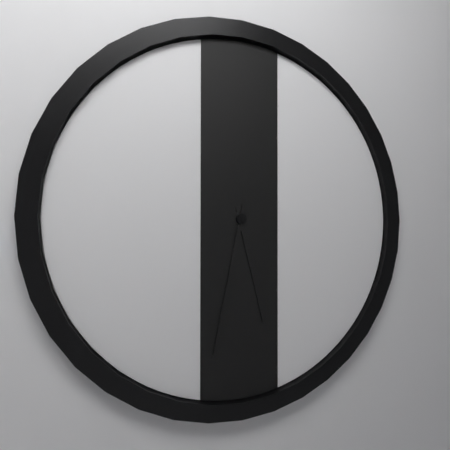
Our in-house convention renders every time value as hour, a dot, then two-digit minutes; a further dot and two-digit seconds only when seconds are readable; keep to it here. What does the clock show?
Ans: 5.32
